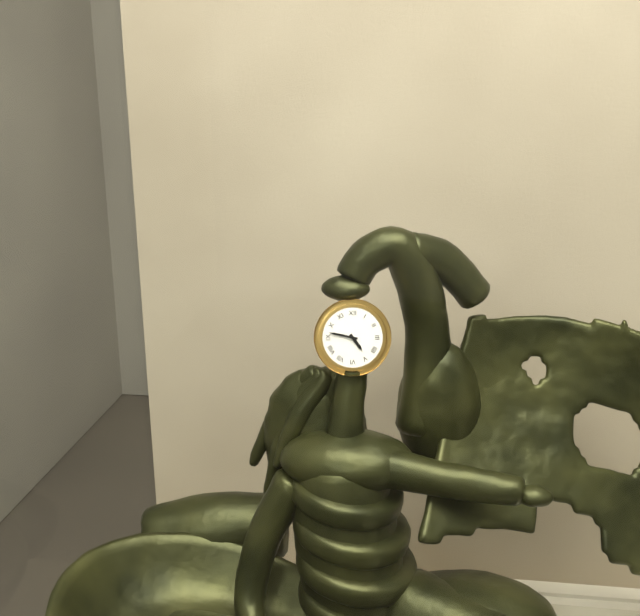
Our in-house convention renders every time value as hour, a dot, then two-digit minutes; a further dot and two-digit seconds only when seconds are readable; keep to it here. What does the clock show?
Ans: 4.47
